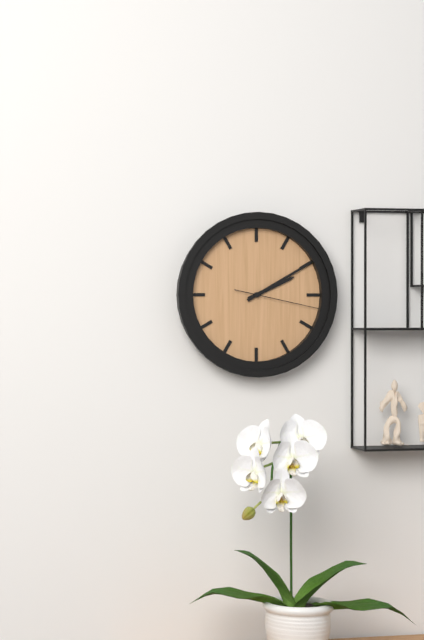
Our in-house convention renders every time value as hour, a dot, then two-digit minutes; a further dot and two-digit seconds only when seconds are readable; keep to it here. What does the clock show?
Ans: 2.10.17
